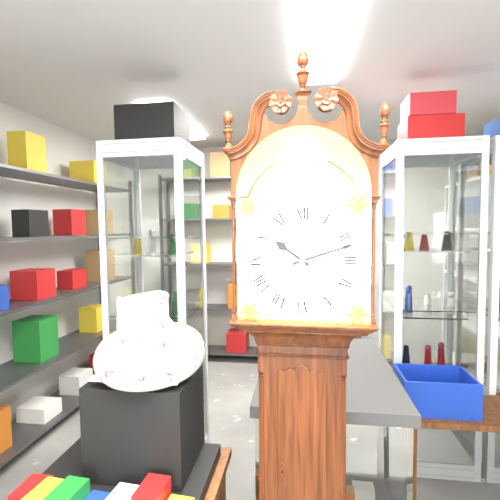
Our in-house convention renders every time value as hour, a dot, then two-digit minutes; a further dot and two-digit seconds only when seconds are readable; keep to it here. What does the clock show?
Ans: 10.12
